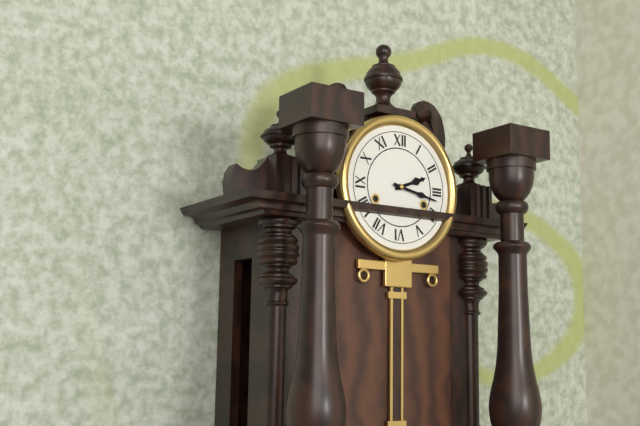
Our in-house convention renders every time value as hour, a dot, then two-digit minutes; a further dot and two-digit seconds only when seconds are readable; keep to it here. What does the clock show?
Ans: 2.17
